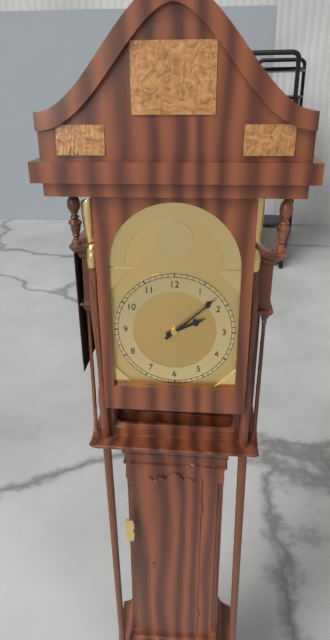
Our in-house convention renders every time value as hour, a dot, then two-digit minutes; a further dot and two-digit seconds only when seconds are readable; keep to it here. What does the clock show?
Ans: 2.08
